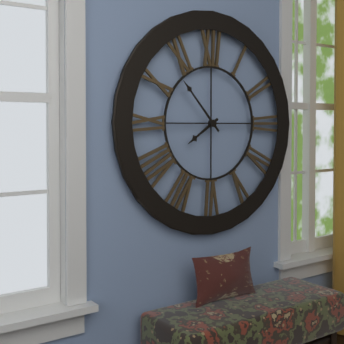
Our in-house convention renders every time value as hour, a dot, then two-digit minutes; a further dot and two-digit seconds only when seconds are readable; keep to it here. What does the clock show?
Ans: 7.53
